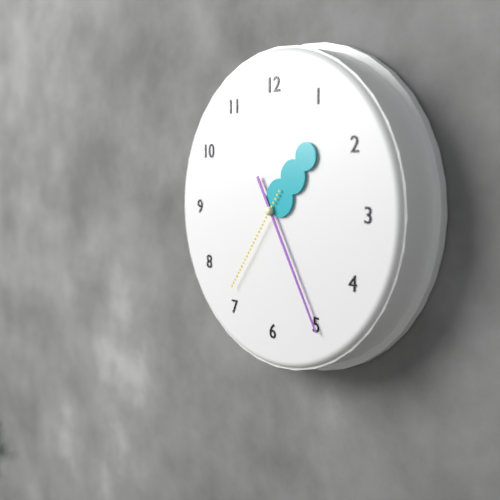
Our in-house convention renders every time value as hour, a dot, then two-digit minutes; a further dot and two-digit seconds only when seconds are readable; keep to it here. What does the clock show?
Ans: 1.25.36
